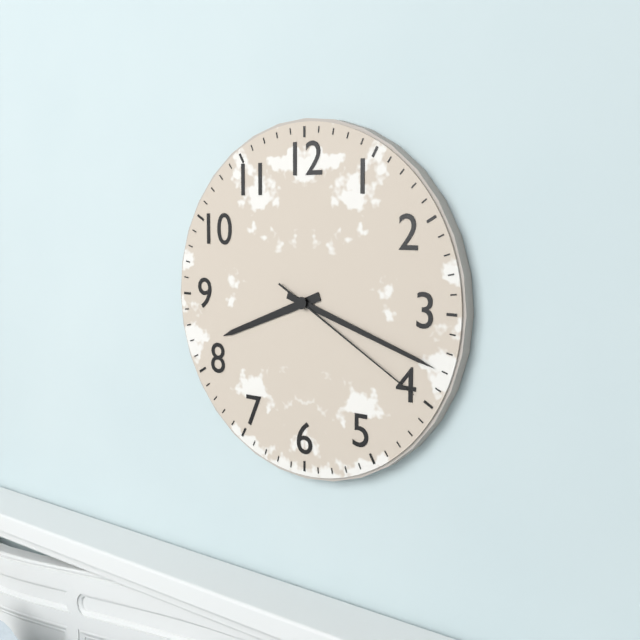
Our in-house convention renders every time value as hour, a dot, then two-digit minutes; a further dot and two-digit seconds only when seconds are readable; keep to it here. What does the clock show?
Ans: 8.18.20
